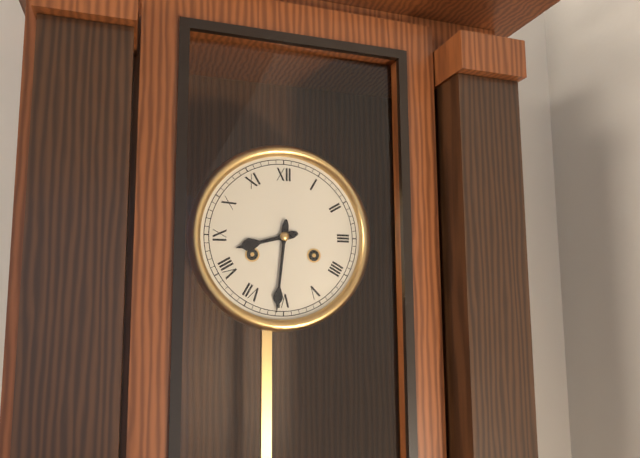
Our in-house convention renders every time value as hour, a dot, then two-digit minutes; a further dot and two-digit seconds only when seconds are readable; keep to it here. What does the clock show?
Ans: 8.31
